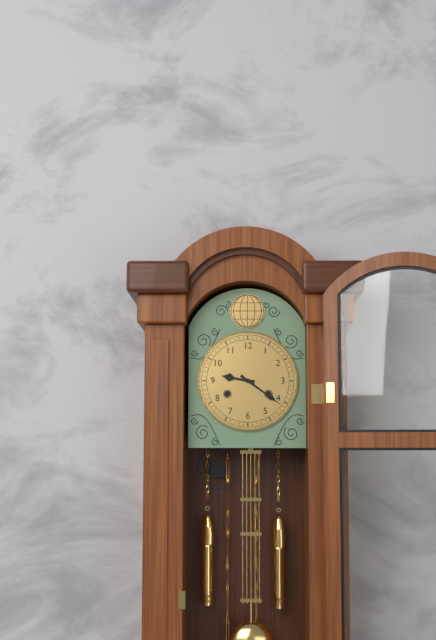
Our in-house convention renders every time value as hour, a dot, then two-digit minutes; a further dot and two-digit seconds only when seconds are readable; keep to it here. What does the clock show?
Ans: 9.21
